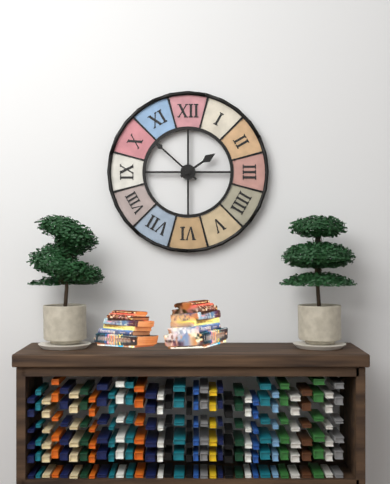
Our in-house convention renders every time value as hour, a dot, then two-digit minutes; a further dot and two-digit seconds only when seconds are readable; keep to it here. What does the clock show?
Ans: 1.52
